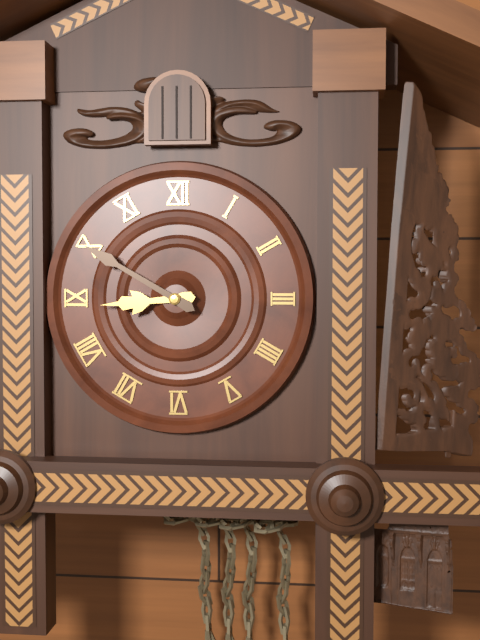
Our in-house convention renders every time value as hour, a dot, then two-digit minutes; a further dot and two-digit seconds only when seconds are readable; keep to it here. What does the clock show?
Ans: 8.50
